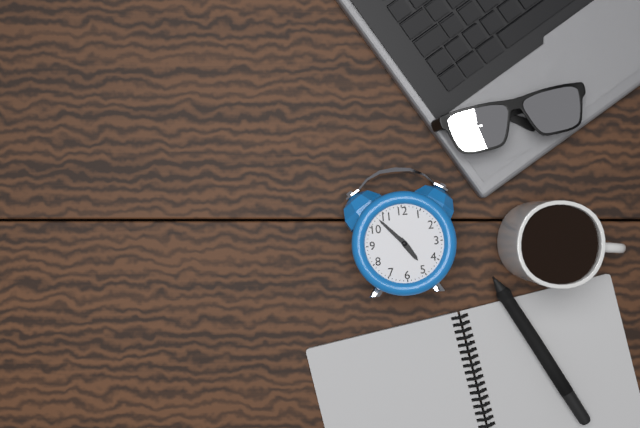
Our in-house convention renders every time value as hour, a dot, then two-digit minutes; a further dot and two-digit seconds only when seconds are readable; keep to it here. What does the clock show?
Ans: 4.53
